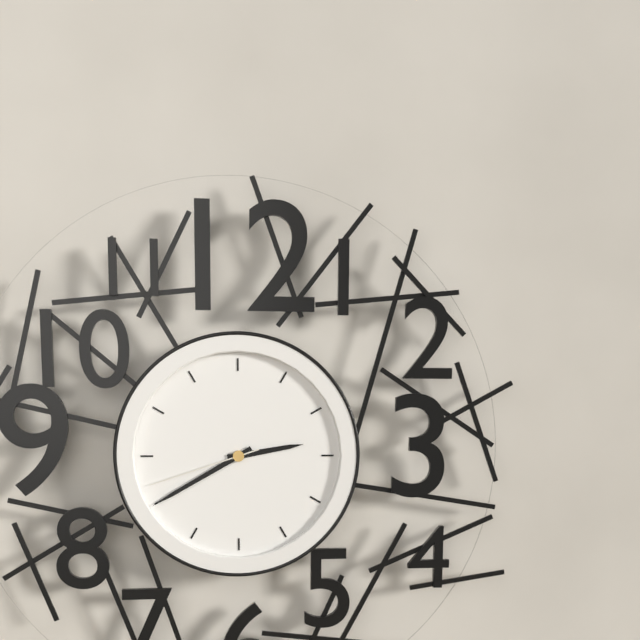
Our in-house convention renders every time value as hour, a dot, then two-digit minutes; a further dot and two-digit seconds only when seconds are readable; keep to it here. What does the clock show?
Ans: 2.40.42
